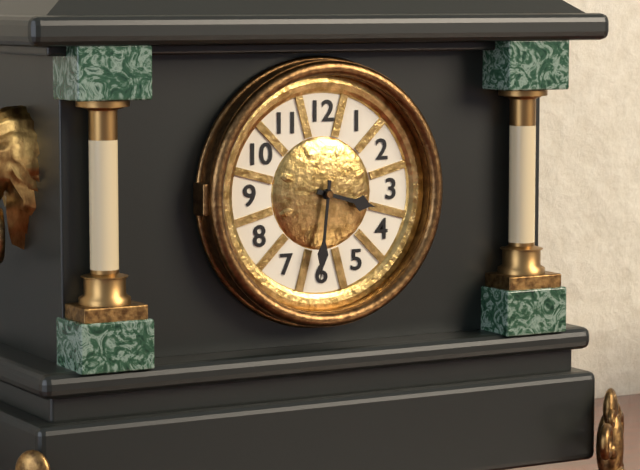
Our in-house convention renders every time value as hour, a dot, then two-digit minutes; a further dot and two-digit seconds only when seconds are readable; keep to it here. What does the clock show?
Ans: 3.31
